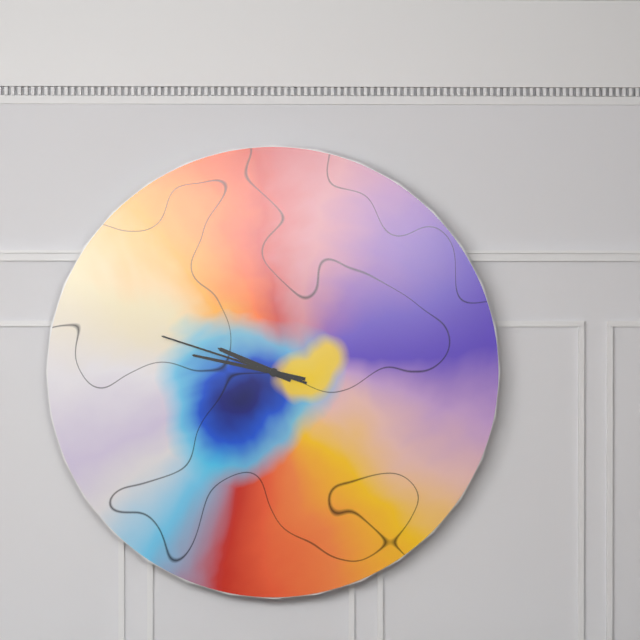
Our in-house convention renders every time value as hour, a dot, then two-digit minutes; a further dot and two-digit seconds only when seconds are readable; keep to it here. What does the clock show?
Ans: 9.47.48
